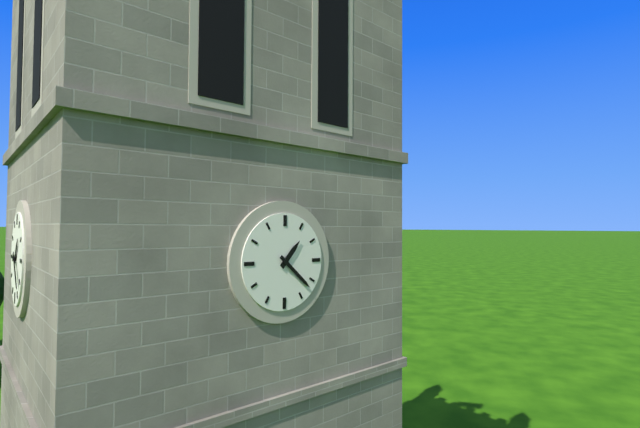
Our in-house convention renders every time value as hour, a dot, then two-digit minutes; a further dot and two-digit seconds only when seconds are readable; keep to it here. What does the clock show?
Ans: 1.22
